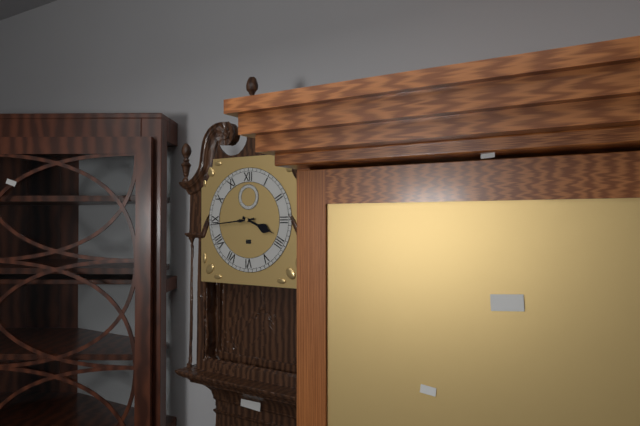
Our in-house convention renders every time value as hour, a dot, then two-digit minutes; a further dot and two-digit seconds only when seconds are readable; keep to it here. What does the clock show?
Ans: 3.44
